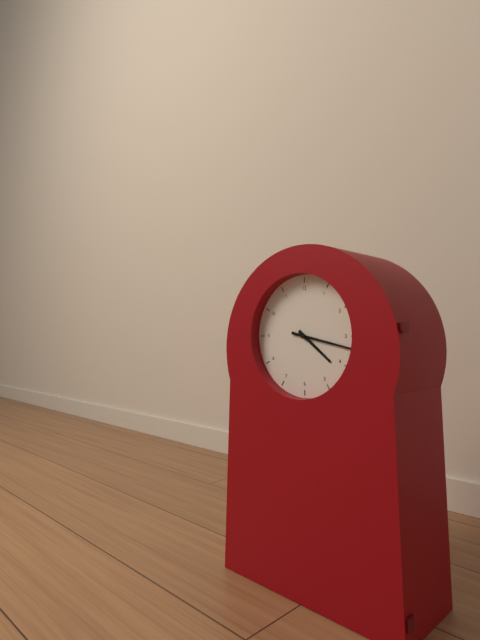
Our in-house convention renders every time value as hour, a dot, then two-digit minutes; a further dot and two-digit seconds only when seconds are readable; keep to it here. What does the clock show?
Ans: 4.17
